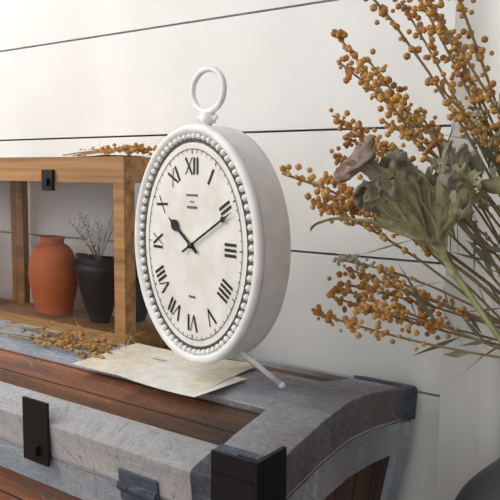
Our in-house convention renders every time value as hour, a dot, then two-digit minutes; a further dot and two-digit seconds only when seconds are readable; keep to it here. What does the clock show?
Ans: 10.10
